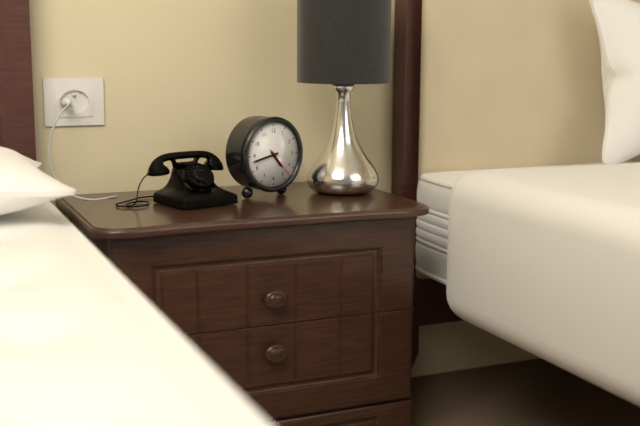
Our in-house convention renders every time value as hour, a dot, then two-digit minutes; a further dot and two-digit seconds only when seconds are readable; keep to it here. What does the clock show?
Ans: 4.43
